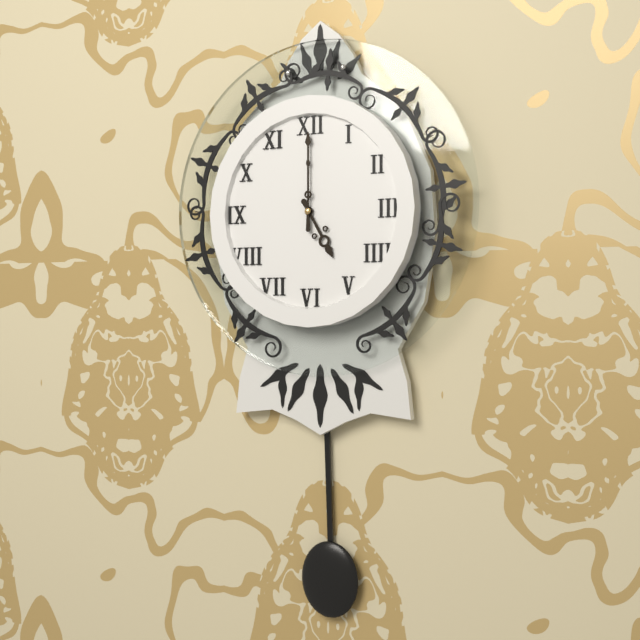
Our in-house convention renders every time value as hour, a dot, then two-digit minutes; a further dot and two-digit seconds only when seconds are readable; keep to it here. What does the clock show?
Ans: 5.00
